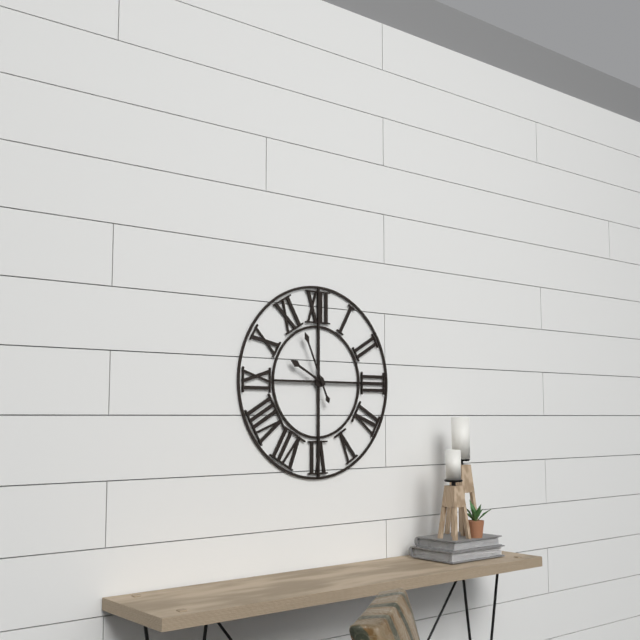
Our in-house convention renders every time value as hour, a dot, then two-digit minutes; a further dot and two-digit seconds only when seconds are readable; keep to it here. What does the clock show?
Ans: 9.56
